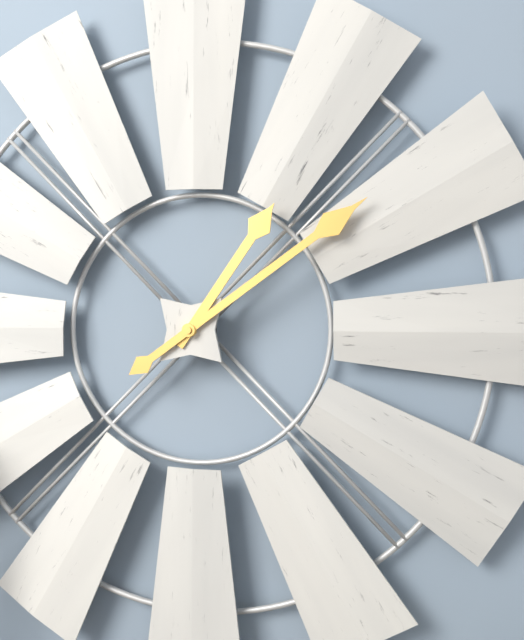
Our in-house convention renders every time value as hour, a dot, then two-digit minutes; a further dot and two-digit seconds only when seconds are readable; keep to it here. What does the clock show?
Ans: 1.09
